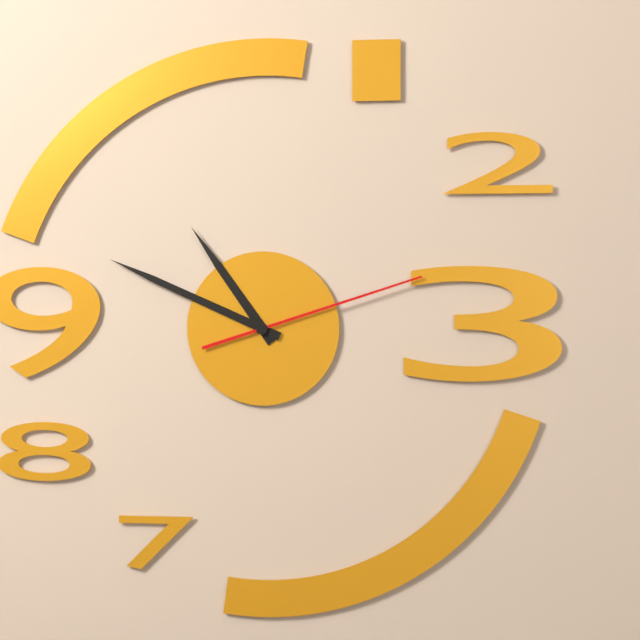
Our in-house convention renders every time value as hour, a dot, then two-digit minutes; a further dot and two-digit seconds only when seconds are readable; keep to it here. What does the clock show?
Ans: 10.49.12
